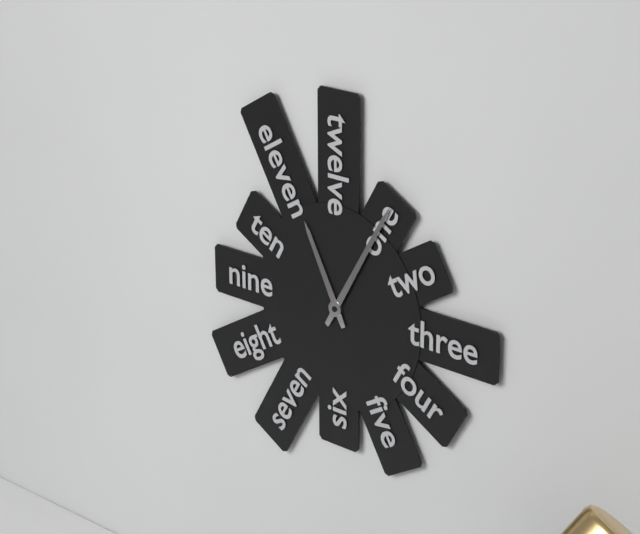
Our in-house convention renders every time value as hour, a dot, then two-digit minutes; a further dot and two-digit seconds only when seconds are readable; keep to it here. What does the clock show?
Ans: 11.05
